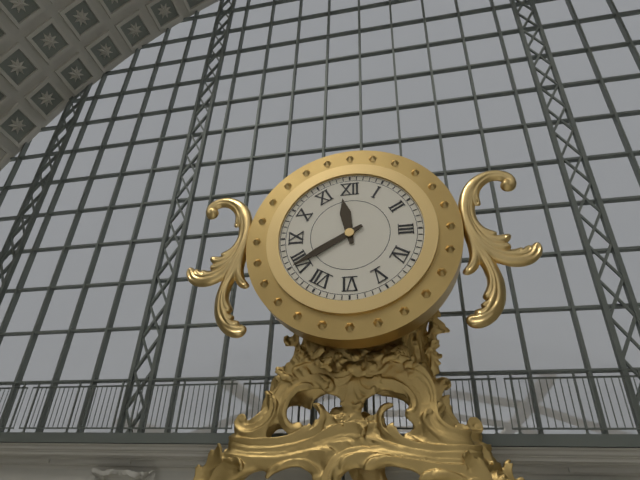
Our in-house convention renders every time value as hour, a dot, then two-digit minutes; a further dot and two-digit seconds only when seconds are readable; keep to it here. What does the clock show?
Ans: 11.40
